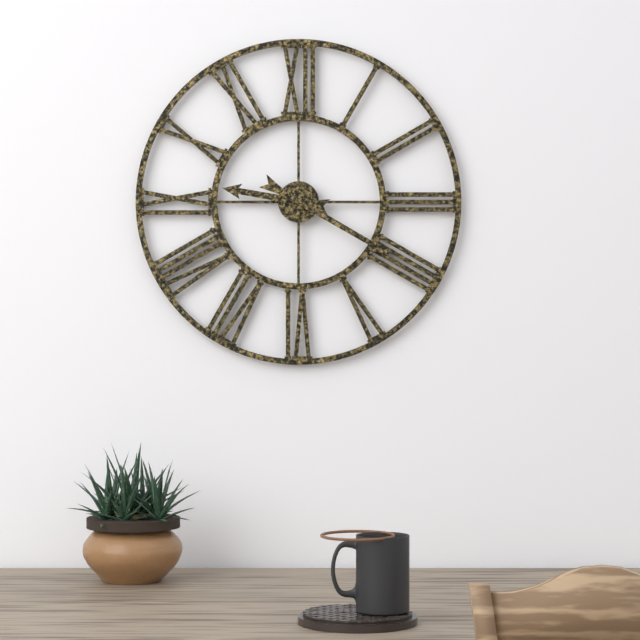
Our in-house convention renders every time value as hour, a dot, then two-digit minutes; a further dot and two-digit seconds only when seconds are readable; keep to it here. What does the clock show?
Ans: 9.20
